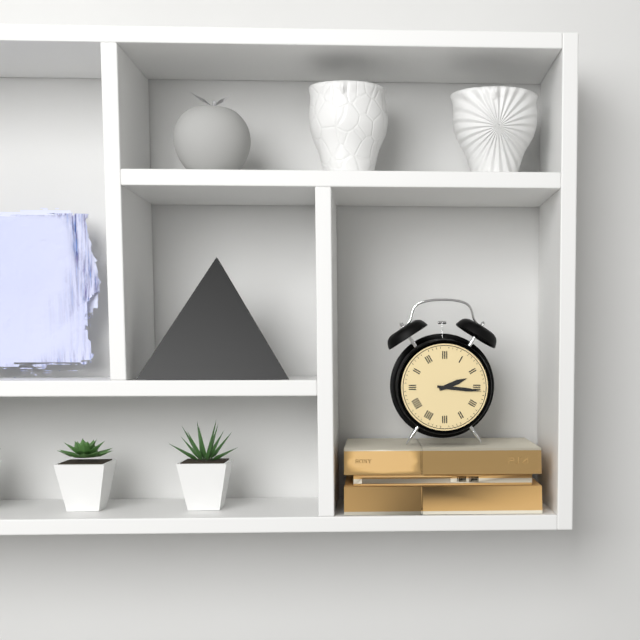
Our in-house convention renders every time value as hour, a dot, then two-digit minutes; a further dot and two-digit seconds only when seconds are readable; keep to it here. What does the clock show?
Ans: 2.16
